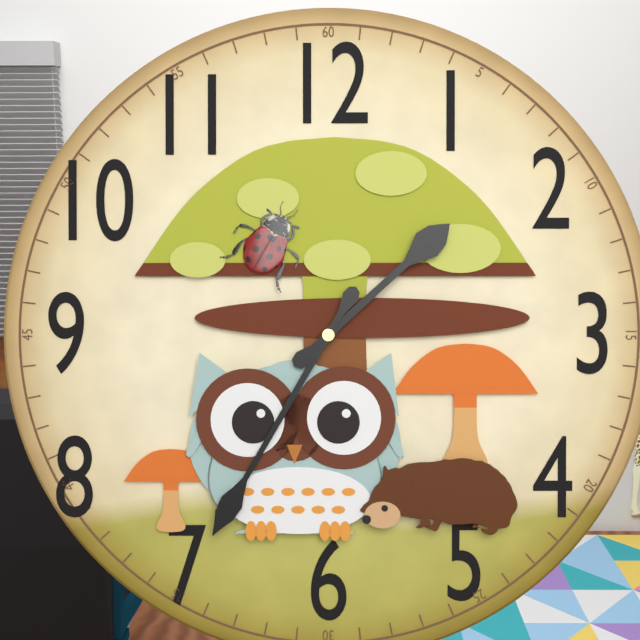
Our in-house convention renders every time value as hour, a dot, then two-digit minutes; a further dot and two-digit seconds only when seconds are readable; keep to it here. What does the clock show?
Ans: 1.35
